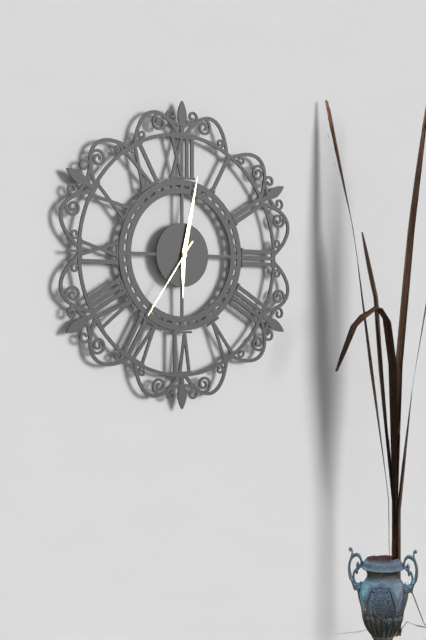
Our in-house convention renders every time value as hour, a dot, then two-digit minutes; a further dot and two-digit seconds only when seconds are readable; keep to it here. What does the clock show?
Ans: 6.02.36
